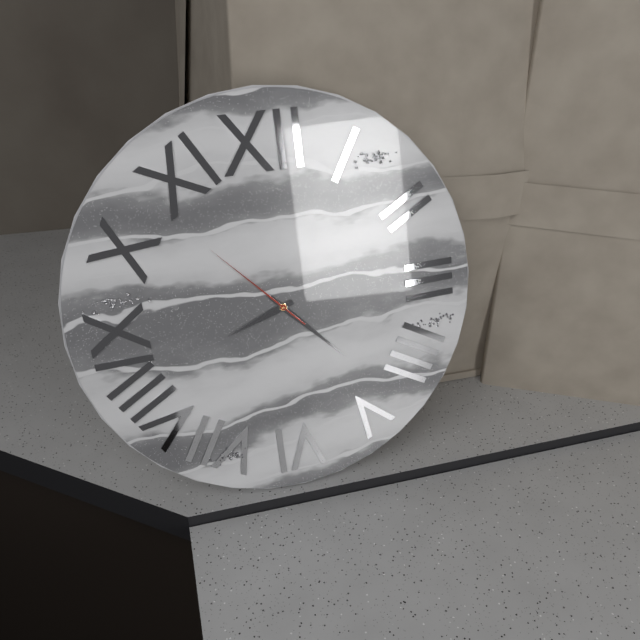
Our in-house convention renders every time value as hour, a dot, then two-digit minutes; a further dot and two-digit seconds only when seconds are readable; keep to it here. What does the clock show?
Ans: 8.23.53
